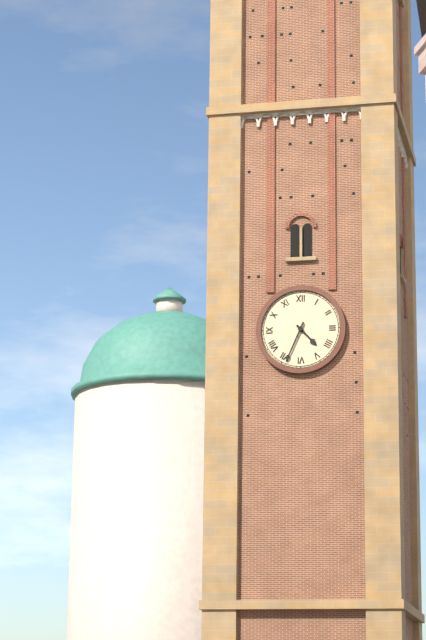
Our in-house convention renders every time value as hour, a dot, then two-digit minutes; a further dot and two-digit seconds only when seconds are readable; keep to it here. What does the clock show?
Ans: 4.34
